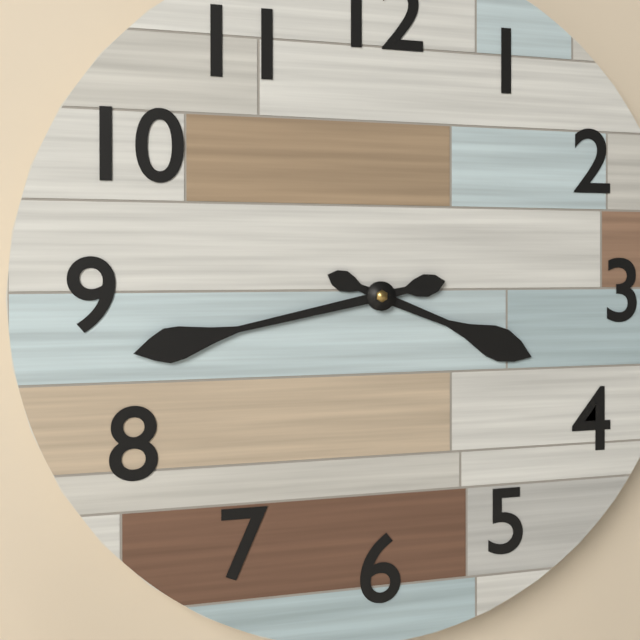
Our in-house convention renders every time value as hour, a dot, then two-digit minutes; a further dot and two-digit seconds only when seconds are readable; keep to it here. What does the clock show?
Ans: 3.43
